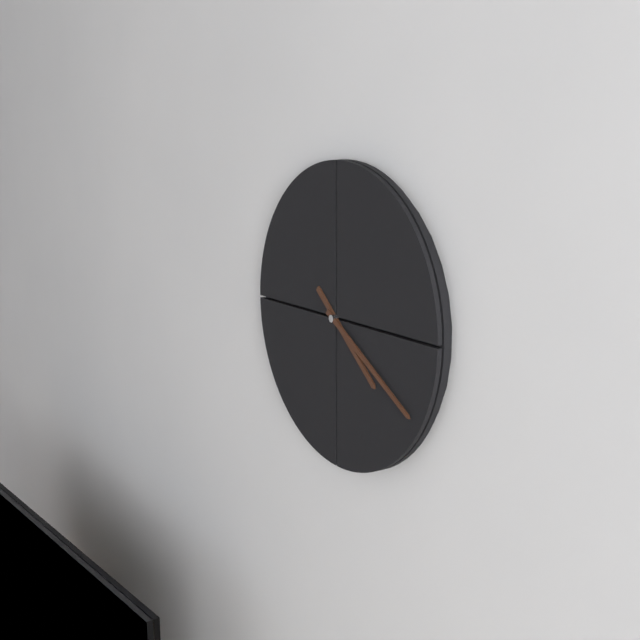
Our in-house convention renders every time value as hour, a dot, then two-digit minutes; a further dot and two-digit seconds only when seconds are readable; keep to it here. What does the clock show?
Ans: 4.20
